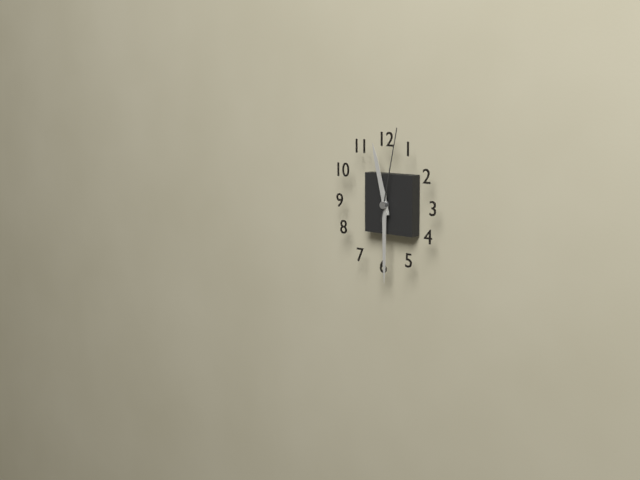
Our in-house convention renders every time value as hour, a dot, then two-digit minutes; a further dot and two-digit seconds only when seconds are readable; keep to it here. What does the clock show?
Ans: 11.30.02
